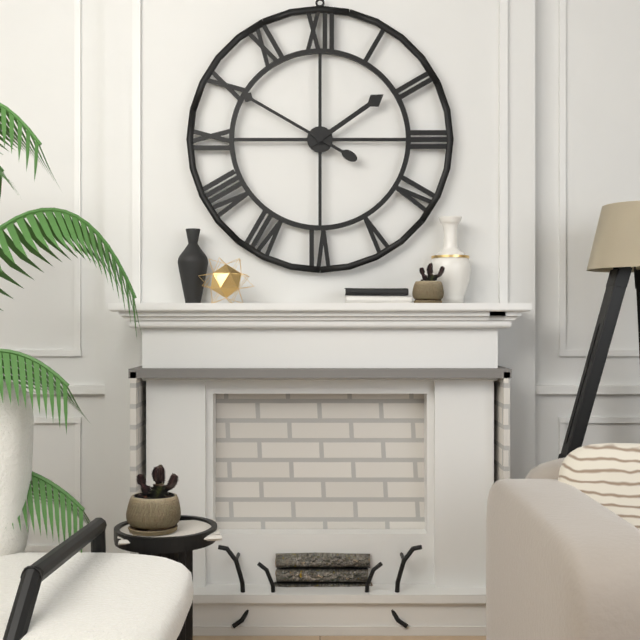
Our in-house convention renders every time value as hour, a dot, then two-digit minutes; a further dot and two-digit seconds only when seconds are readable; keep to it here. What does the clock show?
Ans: 1.50
